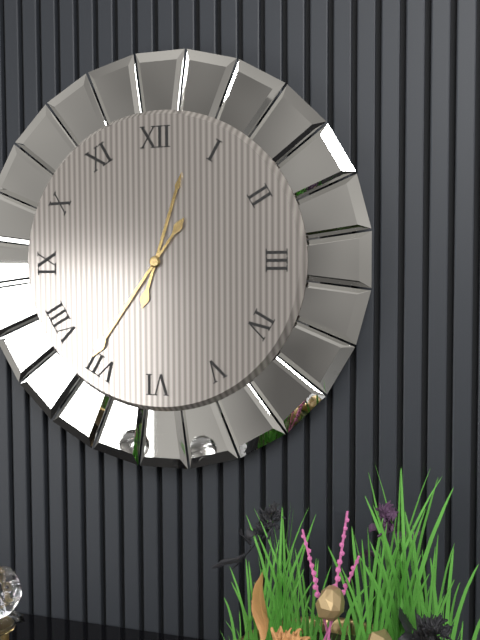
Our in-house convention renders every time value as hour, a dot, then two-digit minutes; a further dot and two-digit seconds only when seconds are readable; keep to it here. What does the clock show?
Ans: 12.36
